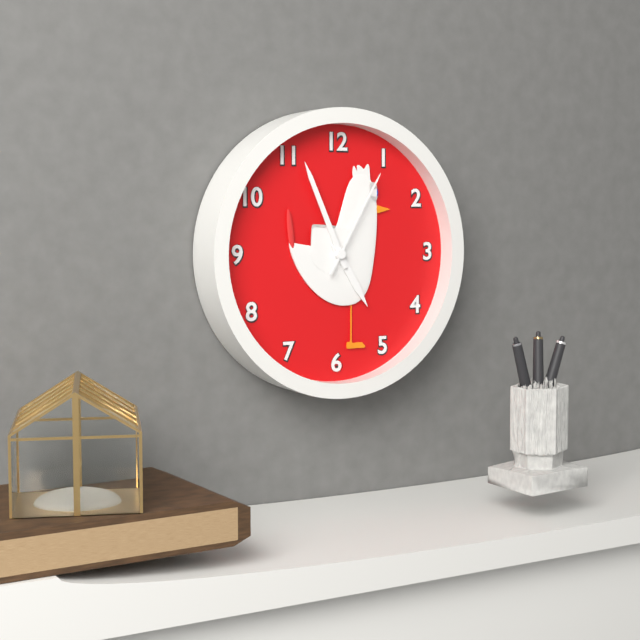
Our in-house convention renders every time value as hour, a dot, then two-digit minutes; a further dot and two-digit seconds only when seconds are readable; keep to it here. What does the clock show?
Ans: 4.56.05
